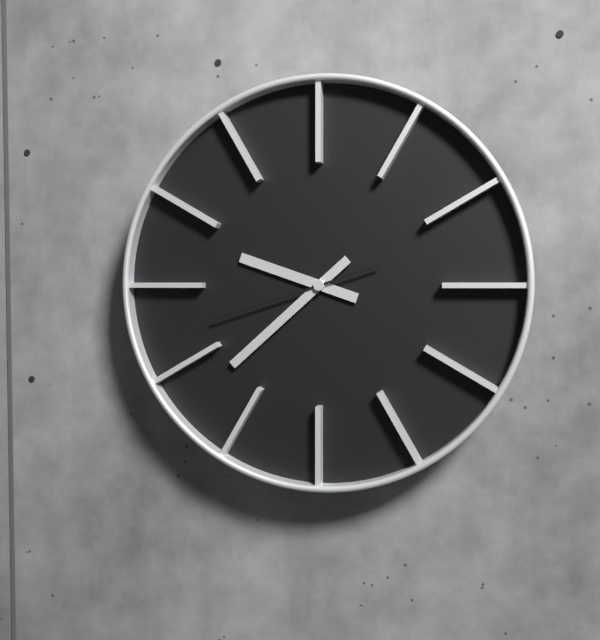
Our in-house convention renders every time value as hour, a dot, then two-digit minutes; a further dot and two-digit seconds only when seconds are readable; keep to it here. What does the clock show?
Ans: 9.38.42
